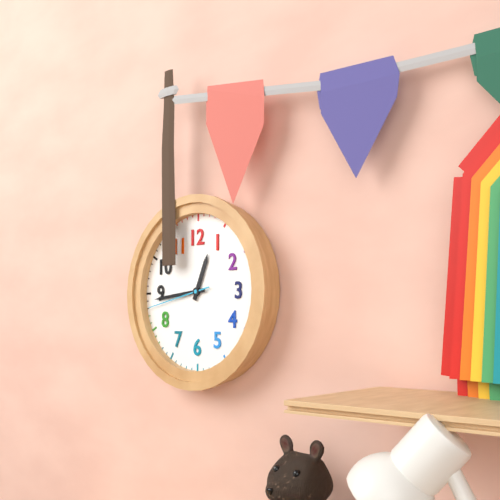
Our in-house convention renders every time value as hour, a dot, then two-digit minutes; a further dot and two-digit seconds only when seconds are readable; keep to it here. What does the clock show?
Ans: 12.44.43
